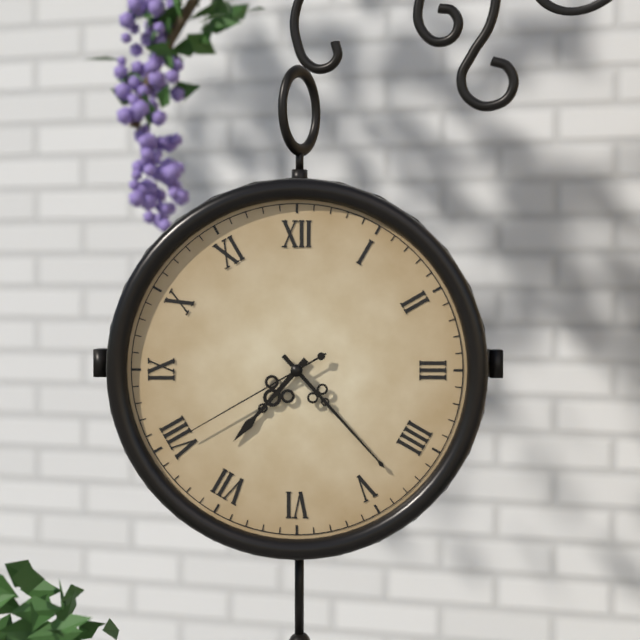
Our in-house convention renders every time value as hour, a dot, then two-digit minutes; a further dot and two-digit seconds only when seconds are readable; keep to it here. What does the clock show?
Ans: 7.23.40
